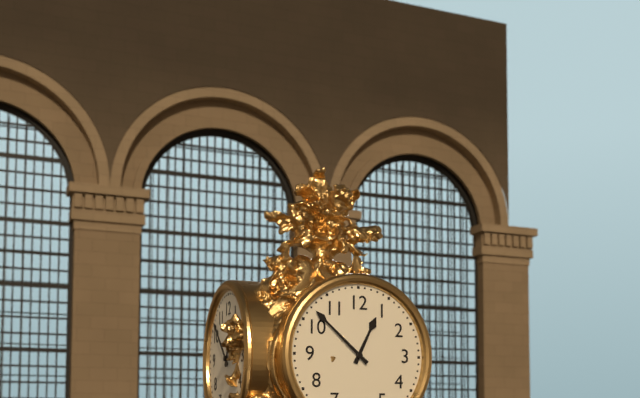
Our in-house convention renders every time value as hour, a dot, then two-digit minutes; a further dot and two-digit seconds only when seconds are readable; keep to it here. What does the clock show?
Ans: 12.52
